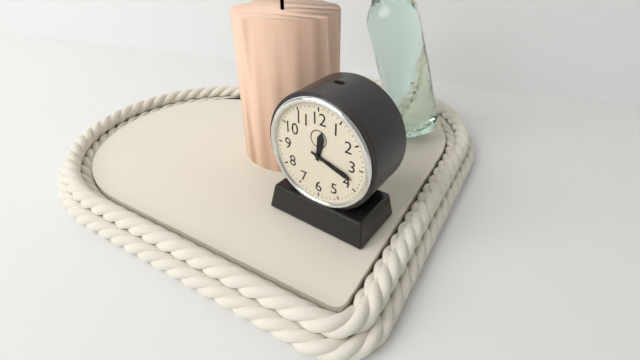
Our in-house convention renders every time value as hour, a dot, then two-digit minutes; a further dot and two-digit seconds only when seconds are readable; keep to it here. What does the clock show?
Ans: 12.18
